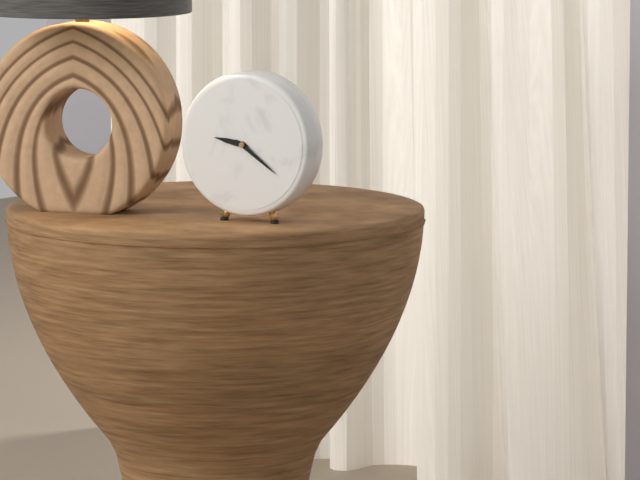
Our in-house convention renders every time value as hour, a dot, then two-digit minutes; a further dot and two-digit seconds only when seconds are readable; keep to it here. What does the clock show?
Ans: 9.21
